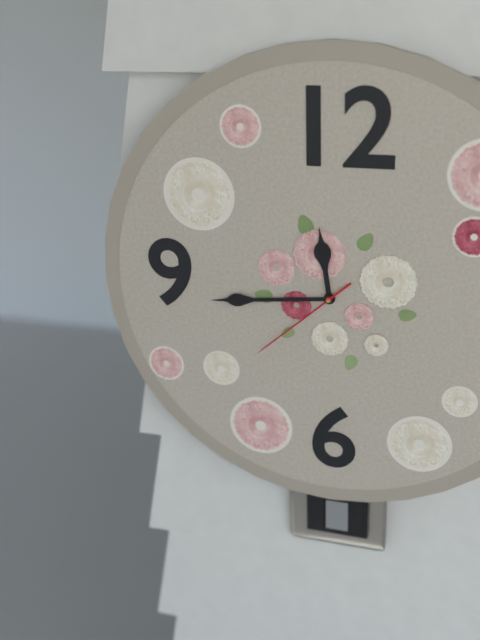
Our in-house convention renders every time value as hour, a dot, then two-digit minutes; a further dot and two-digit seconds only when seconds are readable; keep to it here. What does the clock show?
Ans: 11.44.38
